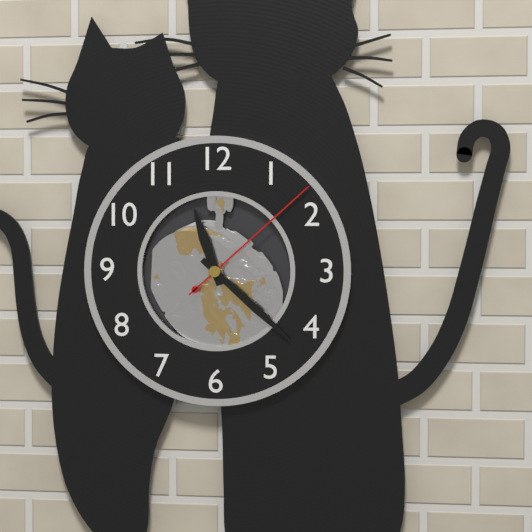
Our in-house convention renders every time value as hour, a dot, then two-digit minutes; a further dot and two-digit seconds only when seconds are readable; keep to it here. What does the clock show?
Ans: 11.22.08
